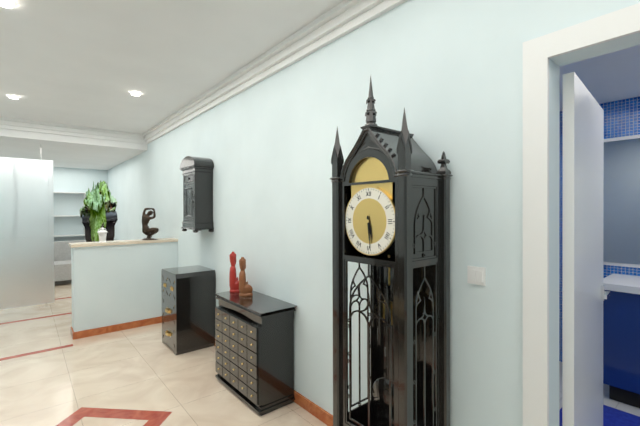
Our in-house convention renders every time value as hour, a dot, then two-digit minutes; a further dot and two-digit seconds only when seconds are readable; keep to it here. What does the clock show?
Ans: 5.29
